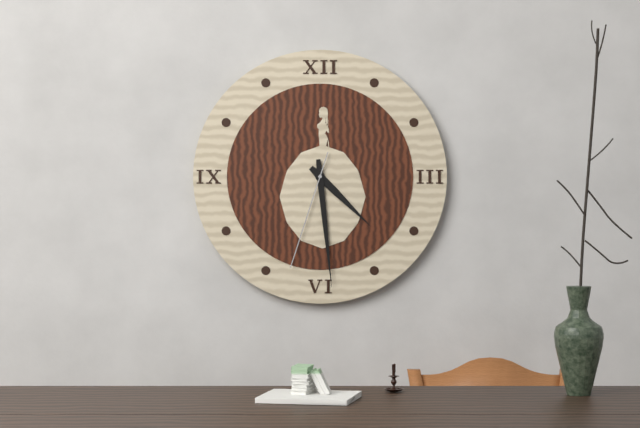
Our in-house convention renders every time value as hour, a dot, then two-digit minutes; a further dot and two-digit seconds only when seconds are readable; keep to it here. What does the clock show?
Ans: 4.29.33
